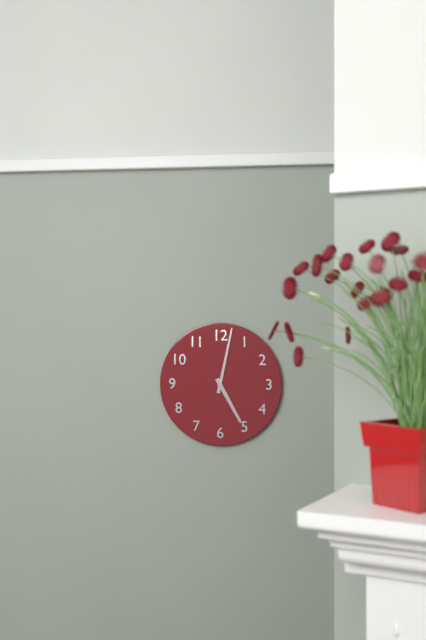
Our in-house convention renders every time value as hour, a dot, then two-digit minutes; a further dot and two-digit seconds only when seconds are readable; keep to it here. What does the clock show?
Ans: 5.02
